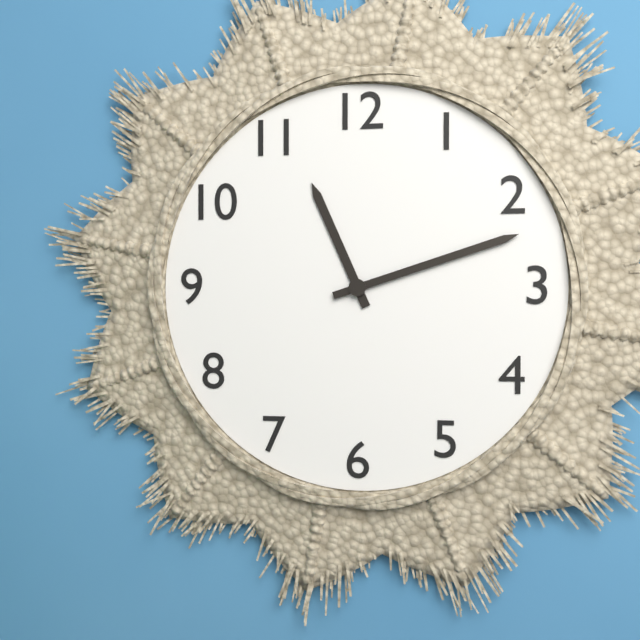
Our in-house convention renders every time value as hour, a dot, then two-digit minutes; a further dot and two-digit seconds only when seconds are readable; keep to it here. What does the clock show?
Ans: 11.12
